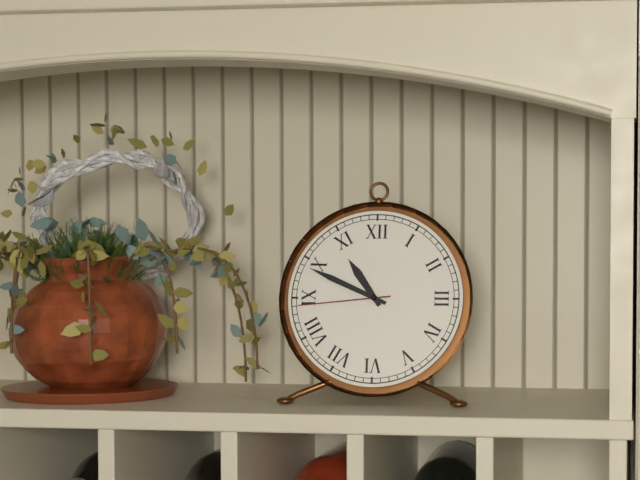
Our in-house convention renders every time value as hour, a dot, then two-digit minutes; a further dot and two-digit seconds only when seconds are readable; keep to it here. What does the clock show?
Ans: 10.49.44
